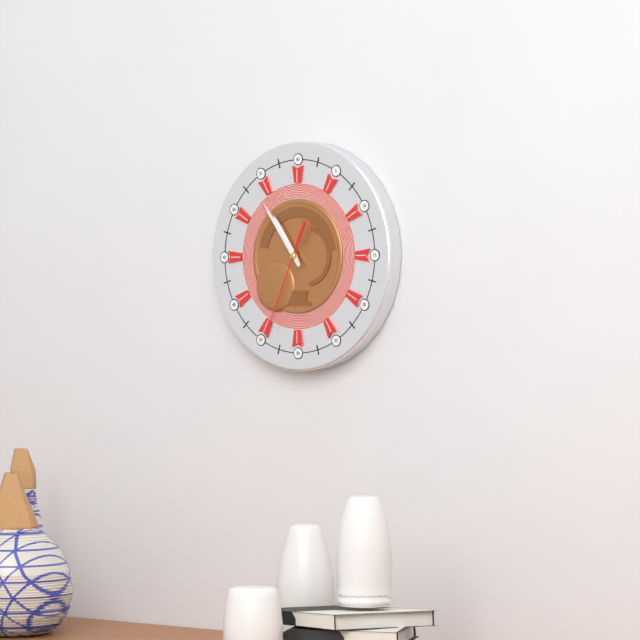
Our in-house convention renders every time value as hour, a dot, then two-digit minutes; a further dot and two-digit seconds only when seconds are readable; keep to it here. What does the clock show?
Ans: 10.54.34
